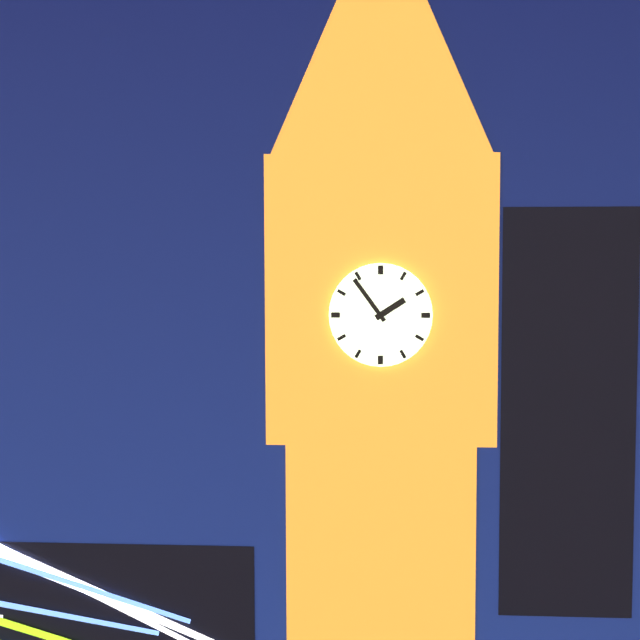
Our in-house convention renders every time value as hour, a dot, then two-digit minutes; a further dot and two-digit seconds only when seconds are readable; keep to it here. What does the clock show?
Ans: 1.54
